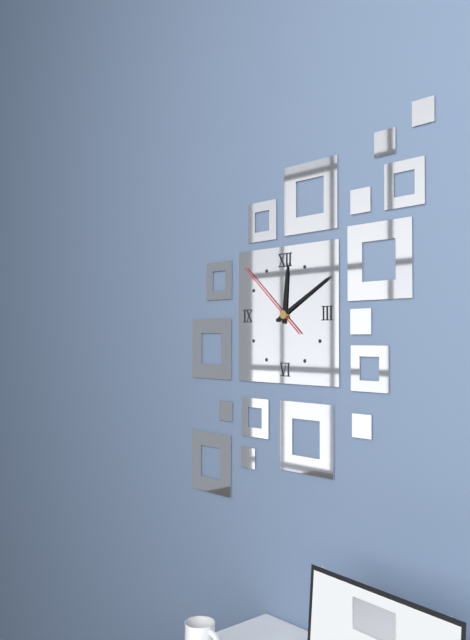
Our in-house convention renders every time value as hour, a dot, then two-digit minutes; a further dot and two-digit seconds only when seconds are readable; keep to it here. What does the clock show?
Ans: 12.10.52
